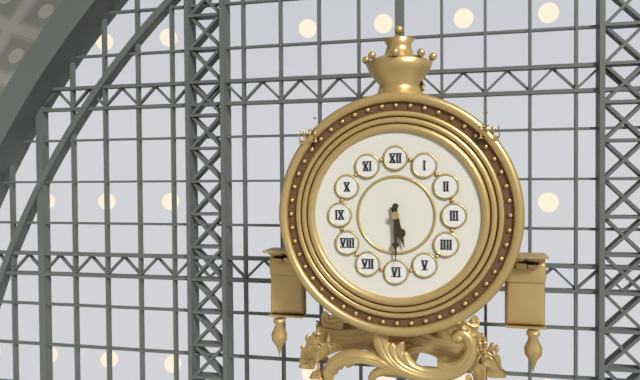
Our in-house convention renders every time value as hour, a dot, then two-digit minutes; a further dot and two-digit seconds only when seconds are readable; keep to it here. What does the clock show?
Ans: 5.30
